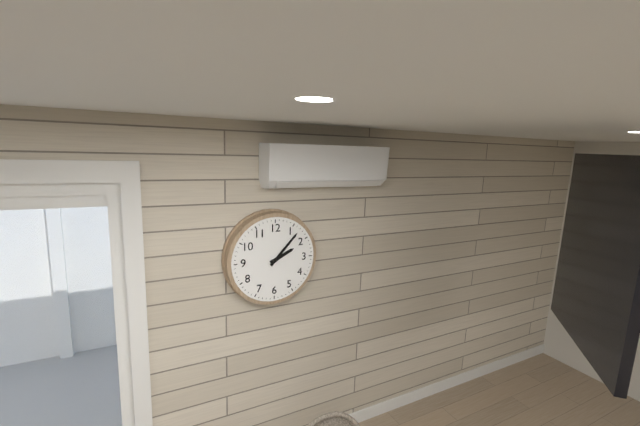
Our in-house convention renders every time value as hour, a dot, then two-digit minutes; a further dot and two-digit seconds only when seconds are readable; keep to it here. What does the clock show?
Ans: 2.07
